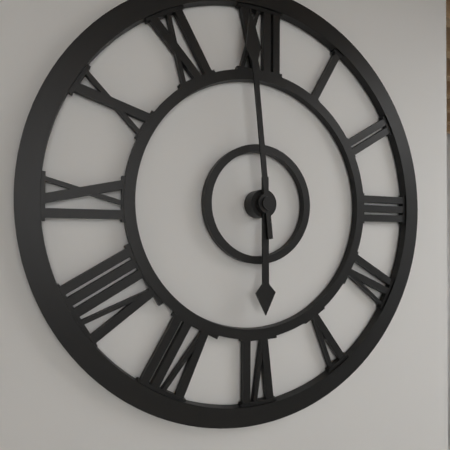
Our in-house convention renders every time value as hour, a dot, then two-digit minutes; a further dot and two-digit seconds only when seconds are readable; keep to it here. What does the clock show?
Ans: 5.59
